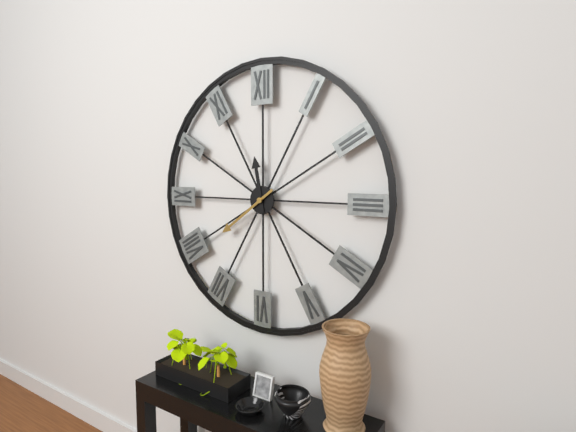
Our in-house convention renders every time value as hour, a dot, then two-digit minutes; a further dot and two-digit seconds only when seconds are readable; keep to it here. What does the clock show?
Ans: 11.39
